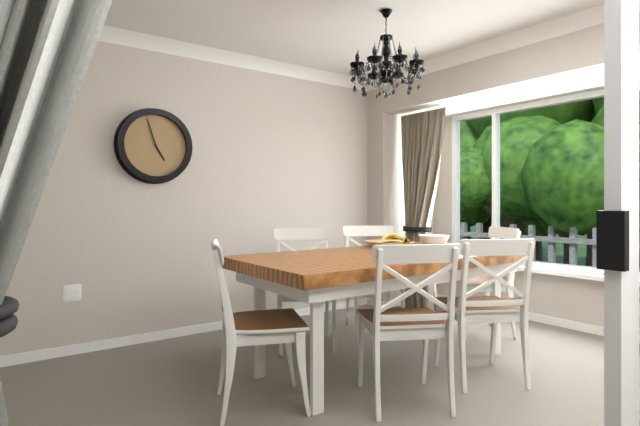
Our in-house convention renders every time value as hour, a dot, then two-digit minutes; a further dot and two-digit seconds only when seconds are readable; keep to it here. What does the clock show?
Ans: 4.57
